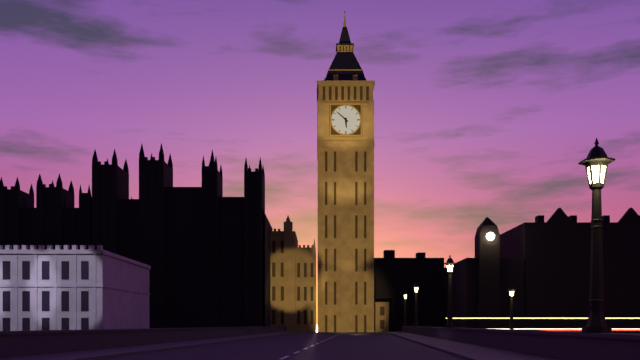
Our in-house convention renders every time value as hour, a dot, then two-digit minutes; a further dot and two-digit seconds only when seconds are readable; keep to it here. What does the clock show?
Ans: 5.52
